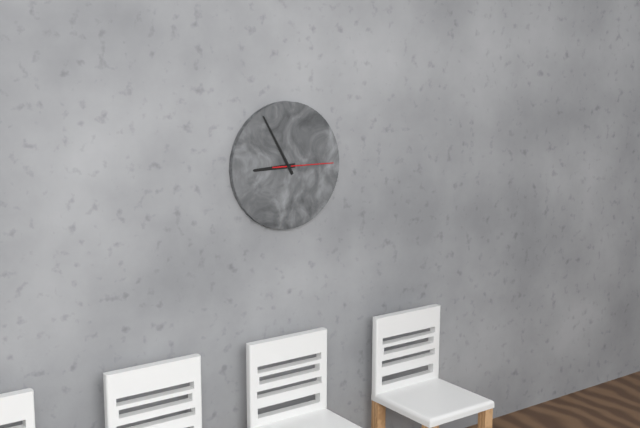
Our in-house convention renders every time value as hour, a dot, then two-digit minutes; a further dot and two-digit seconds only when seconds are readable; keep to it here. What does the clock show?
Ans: 8.55.15
